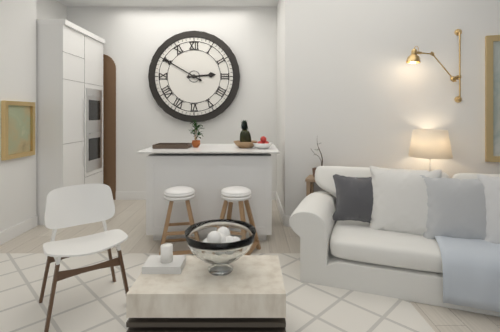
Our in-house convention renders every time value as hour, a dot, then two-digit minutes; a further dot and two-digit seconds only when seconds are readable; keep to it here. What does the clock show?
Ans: 2.50
